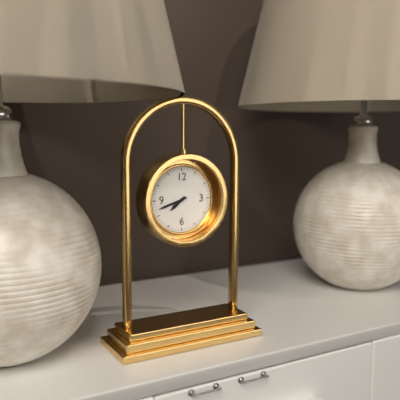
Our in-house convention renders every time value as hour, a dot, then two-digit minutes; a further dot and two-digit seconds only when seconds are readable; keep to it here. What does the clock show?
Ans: 7.42
